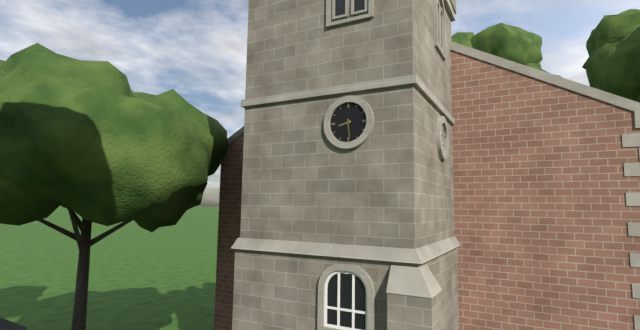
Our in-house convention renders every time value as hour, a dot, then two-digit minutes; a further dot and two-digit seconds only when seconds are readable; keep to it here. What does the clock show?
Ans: 8.29
